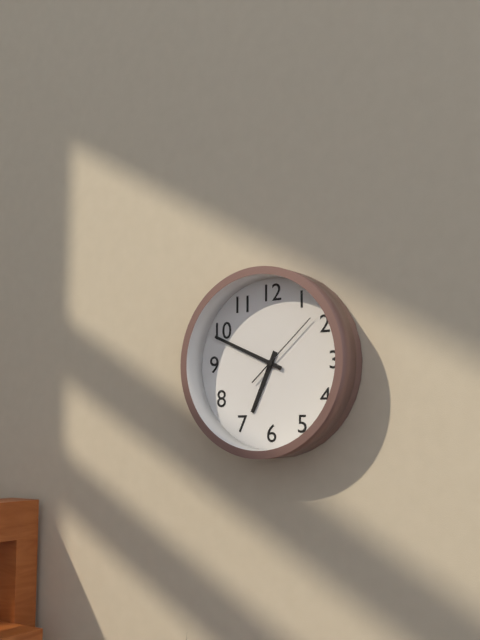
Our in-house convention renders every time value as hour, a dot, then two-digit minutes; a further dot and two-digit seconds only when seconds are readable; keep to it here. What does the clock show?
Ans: 6.49.08
